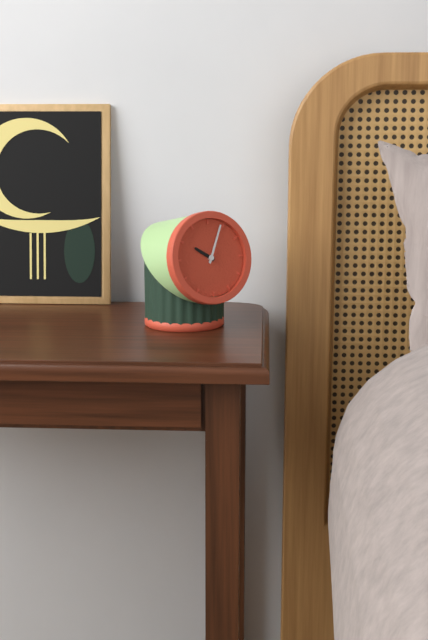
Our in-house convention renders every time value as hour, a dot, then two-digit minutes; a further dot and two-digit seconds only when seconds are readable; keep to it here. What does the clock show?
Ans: 10.04
